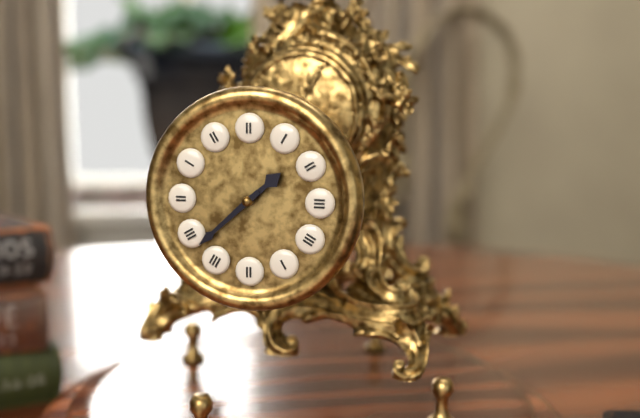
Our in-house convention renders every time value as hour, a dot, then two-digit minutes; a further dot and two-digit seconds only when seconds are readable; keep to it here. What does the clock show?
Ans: 1.38
